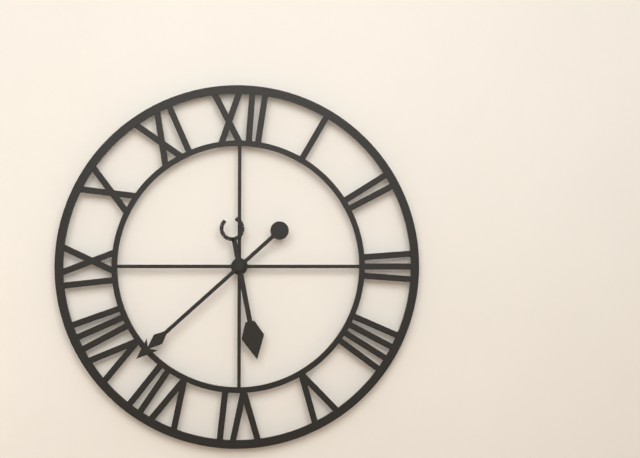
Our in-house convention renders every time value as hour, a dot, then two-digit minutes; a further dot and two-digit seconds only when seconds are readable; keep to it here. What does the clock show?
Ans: 5.38
